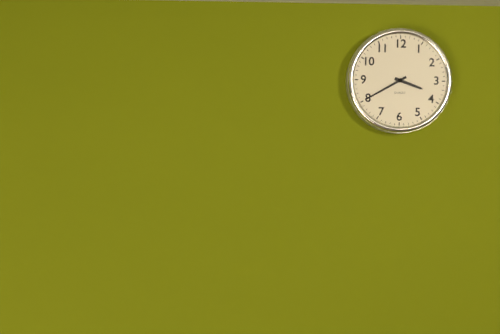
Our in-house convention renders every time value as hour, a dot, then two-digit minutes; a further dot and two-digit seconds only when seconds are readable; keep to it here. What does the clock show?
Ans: 3.40
